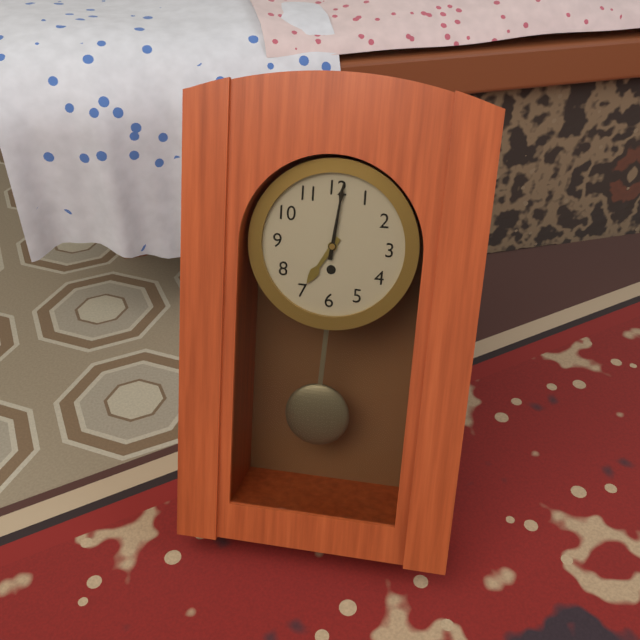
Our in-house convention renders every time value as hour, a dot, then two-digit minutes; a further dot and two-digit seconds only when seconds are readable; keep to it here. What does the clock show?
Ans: 7.01
